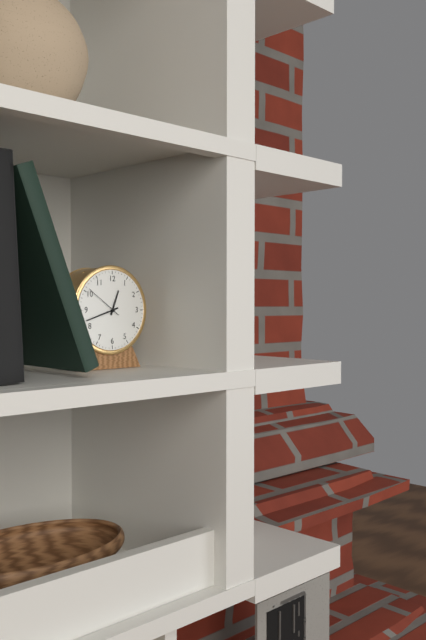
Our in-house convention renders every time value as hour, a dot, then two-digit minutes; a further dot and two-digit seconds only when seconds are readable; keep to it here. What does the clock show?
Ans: 12.42
